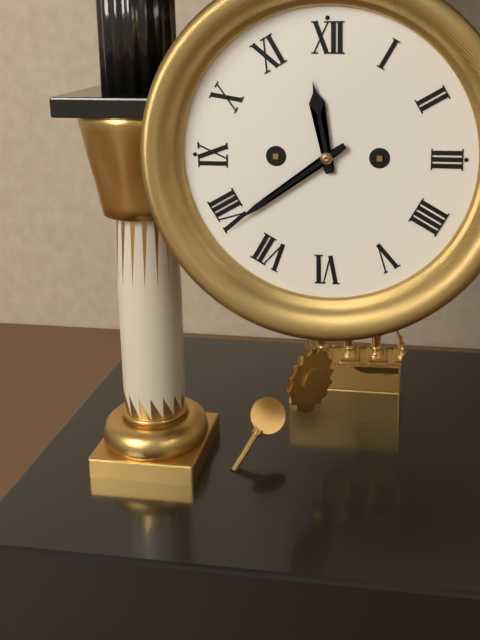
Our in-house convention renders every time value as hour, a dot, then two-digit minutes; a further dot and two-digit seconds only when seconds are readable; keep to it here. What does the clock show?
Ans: 11.39
